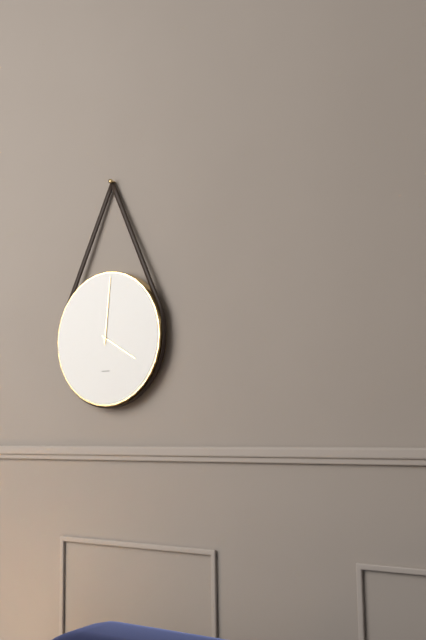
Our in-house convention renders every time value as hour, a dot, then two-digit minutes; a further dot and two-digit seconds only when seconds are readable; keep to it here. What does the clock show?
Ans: 4.01
